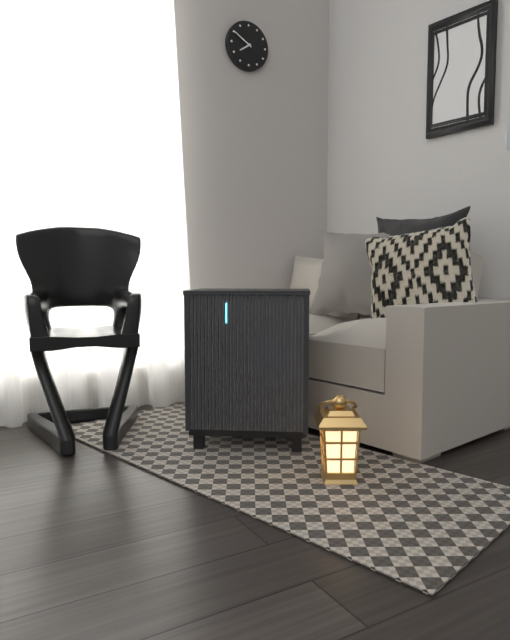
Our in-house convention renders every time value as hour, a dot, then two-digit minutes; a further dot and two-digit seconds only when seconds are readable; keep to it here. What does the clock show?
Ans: 7.50
